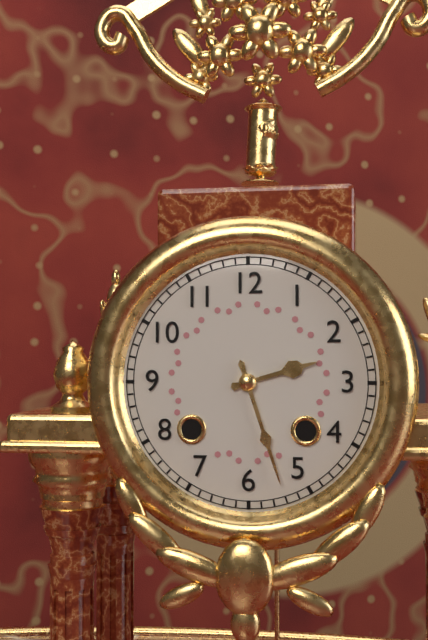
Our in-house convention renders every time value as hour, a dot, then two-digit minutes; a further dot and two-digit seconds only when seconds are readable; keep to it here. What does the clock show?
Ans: 2.27
